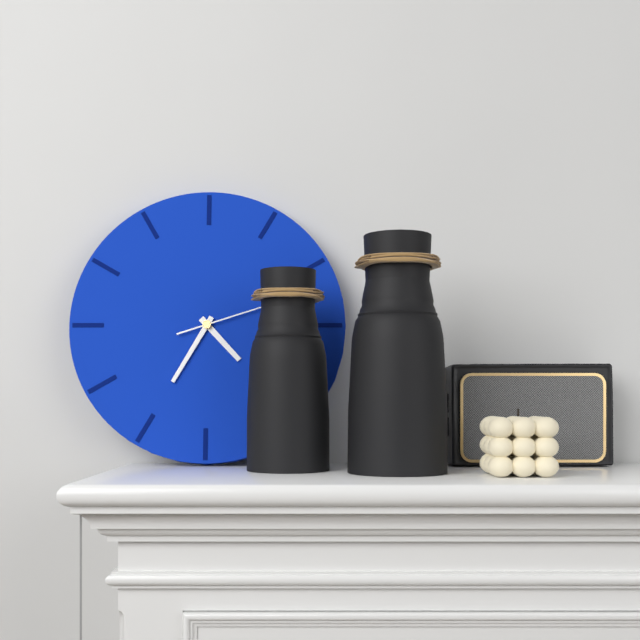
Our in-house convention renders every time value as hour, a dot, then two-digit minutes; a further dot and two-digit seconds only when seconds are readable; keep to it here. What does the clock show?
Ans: 4.35
